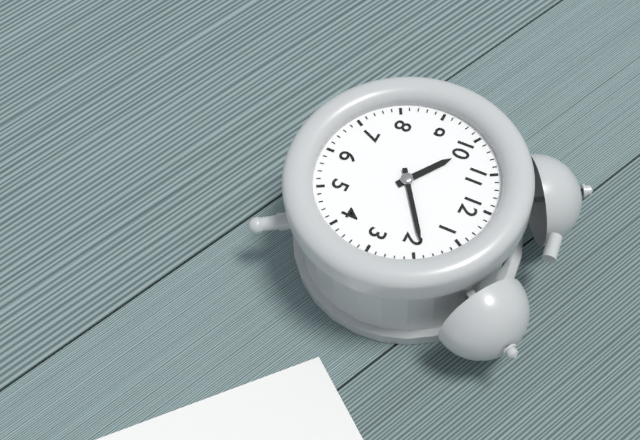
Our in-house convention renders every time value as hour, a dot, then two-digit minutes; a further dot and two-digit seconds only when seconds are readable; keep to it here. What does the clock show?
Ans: 10.09
